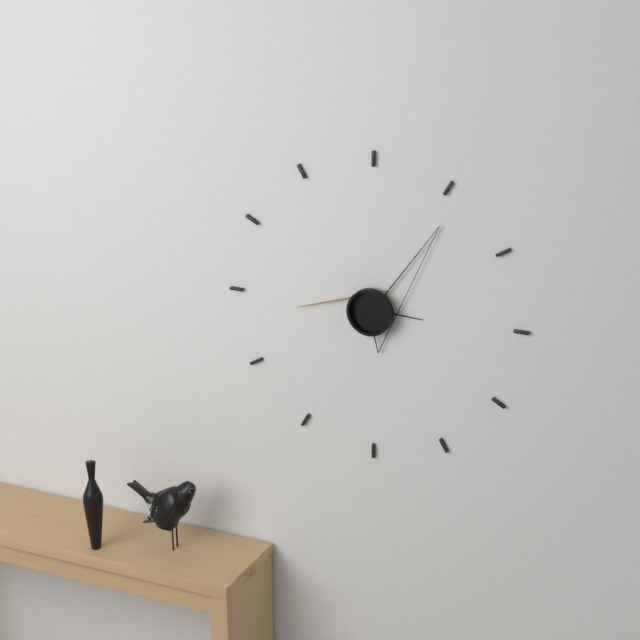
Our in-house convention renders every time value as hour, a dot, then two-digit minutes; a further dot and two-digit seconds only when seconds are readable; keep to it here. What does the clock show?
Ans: 3.06.44
